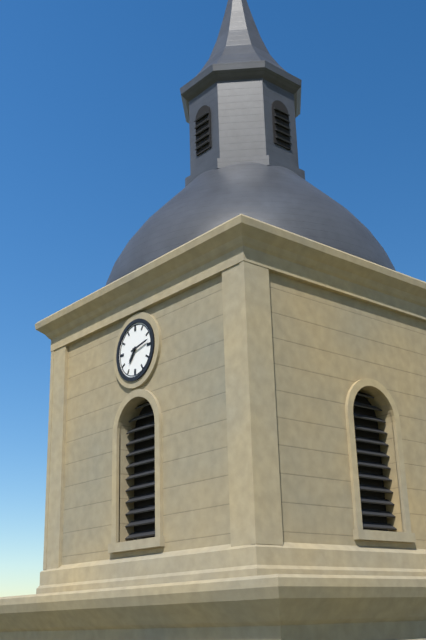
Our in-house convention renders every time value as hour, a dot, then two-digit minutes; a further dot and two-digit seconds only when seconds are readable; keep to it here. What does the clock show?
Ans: 7.13
